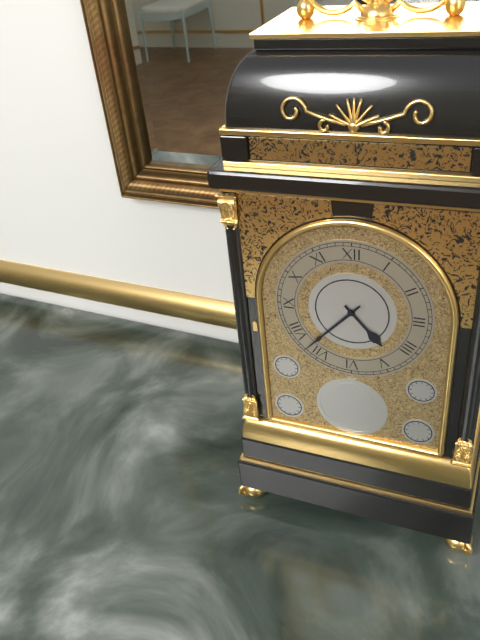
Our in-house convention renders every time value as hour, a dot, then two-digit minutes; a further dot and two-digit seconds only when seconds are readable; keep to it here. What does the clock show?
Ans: 4.37
